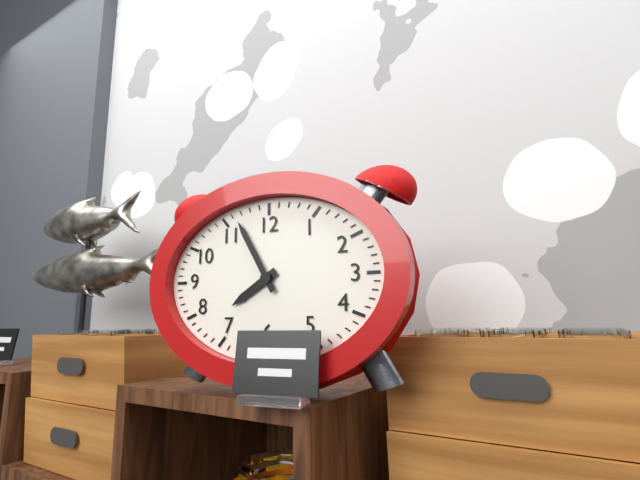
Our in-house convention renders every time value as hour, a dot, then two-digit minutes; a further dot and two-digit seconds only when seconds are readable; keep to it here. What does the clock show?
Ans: 7.55
